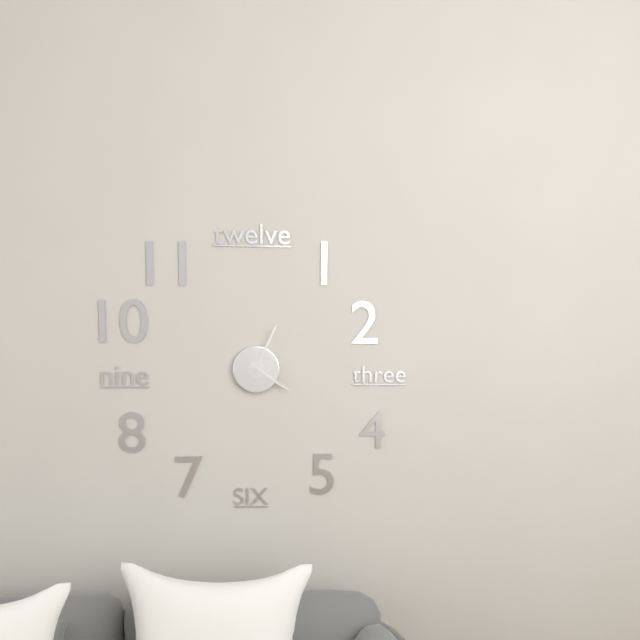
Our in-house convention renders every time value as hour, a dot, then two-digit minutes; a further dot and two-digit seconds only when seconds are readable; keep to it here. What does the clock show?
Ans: 4.04
